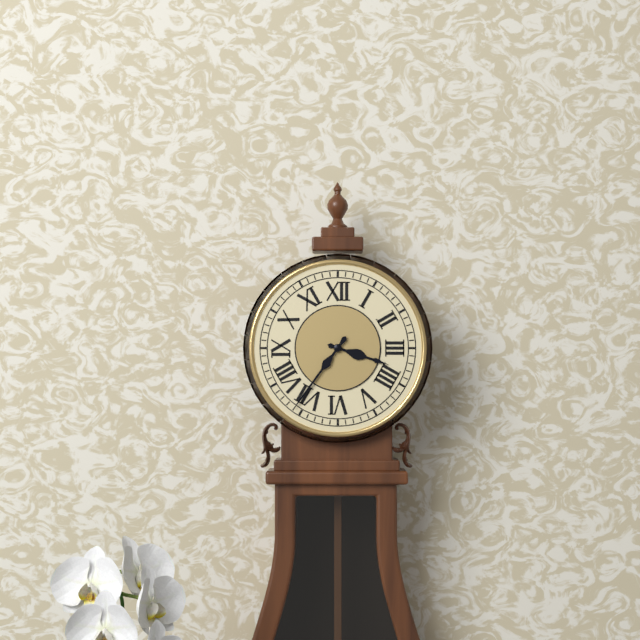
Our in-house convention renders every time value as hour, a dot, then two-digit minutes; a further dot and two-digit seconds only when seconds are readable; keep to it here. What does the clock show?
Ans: 3.36
